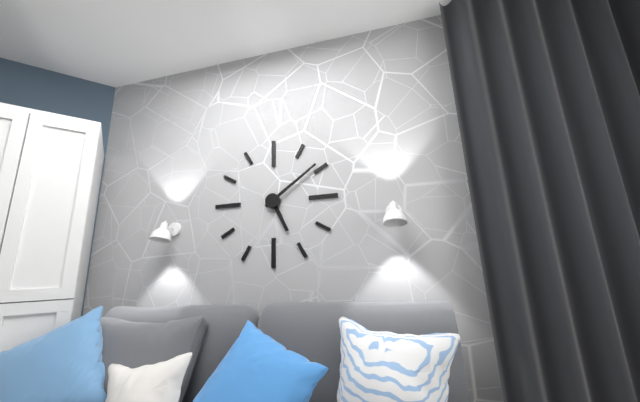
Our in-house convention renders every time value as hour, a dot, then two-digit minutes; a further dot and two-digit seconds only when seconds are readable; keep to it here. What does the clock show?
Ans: 5.09
